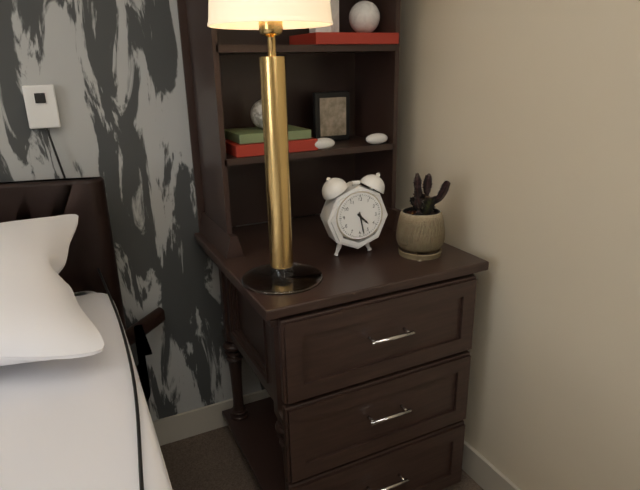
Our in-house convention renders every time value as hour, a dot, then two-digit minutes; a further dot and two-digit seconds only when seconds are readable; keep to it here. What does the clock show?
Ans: 4.28
